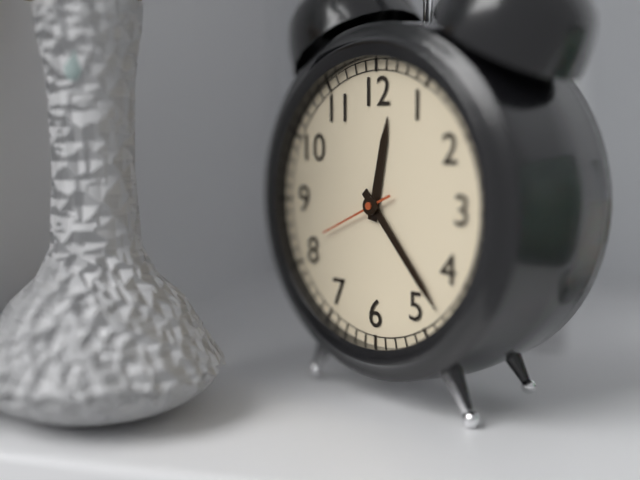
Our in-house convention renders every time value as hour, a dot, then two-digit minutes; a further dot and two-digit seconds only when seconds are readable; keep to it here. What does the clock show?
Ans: 12.23.41
